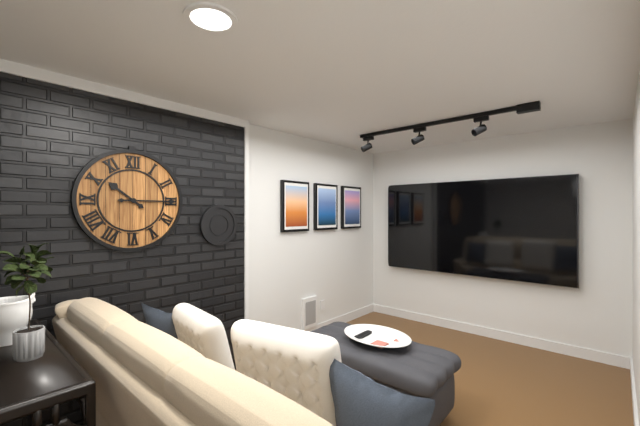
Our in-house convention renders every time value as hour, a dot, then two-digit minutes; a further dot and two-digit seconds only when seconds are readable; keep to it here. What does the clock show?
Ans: 10.15
